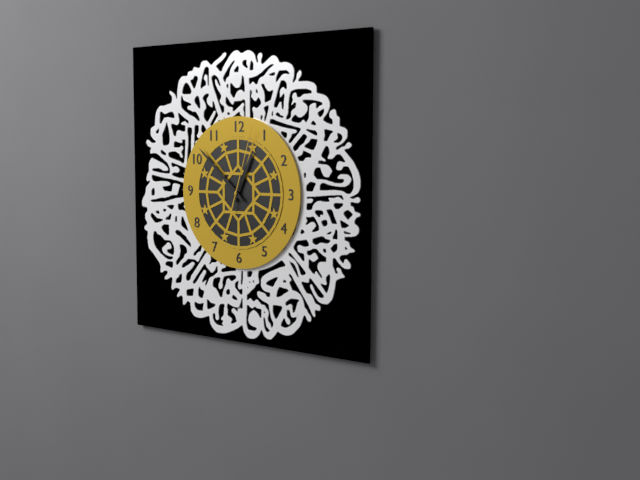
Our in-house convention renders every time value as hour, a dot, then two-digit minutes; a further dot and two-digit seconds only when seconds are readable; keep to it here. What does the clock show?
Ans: 12.52.03
